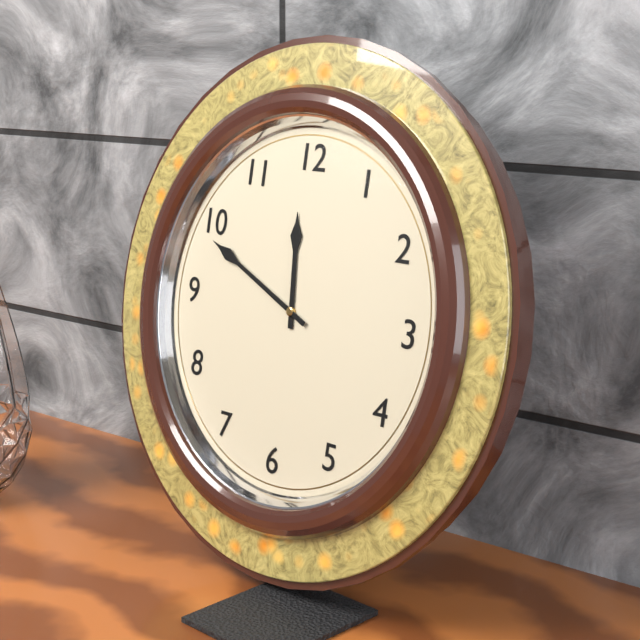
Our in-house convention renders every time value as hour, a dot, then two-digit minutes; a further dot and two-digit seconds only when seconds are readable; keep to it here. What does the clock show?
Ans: 11.49
